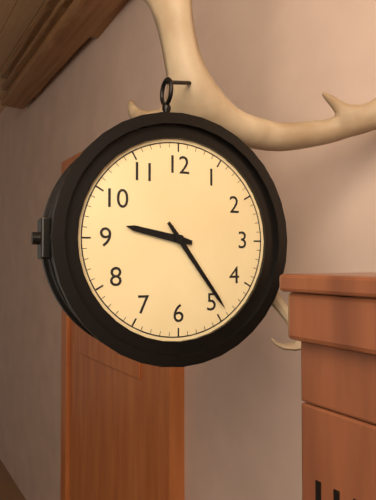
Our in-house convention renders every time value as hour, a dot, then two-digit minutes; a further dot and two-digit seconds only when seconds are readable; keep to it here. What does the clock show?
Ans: 9.24
